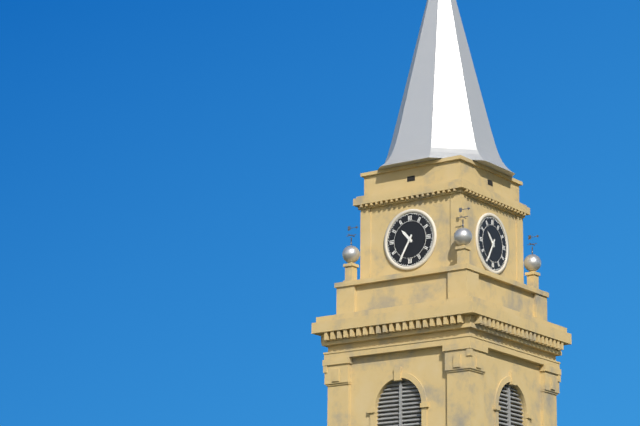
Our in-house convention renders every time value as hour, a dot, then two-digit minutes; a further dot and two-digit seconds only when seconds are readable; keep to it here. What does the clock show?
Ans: 10.35
